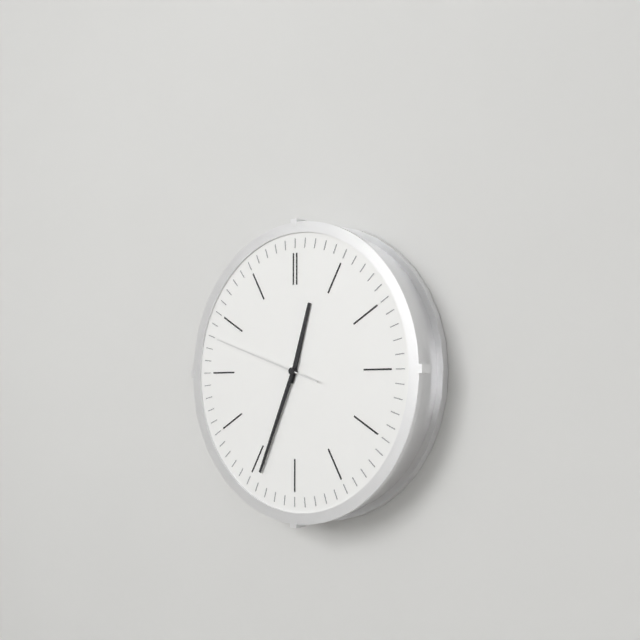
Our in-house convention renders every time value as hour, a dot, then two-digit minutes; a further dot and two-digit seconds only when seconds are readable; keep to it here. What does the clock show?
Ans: 12.34.48
